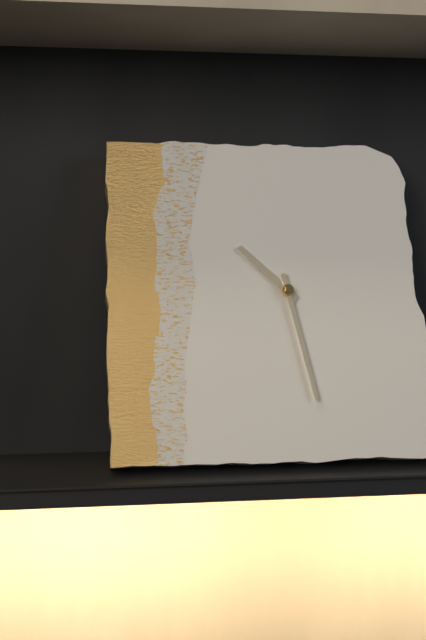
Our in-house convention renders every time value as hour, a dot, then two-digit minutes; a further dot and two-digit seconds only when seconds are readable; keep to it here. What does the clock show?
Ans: 10.28
